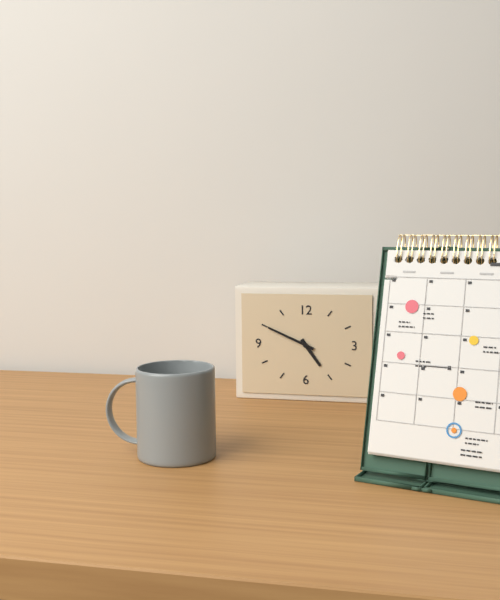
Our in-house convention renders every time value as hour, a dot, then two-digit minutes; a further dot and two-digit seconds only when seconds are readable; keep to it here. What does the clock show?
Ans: 4.49
